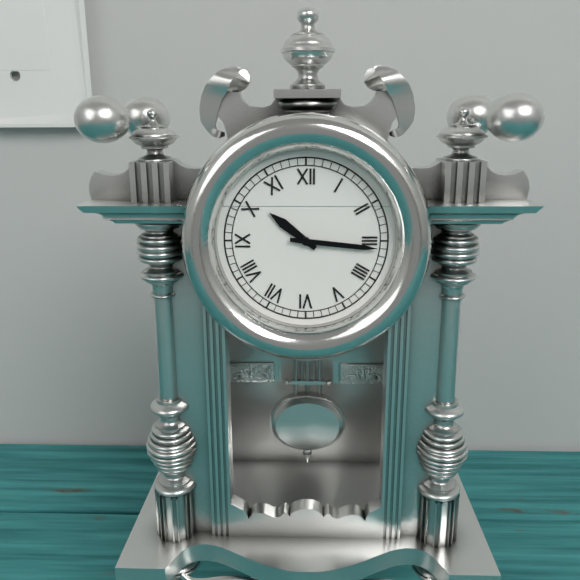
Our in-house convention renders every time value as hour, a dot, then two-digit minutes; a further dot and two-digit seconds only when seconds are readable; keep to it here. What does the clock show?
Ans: 10.16
